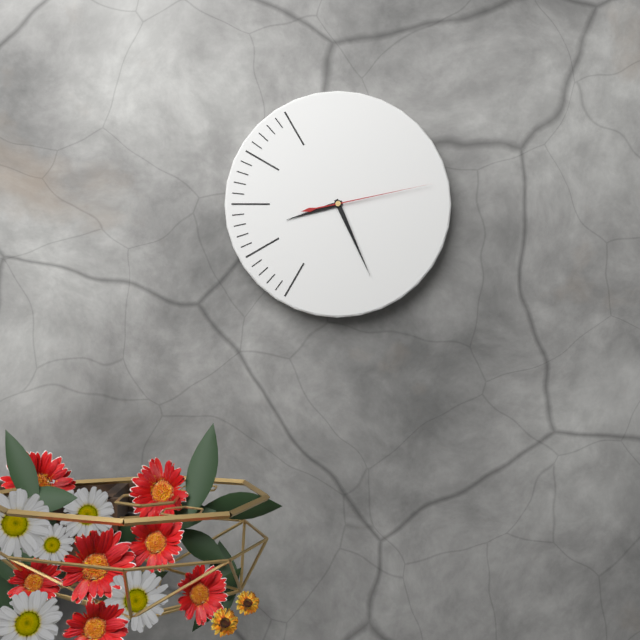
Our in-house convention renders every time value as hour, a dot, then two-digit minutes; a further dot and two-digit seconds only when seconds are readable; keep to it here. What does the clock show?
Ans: 8.26.13
